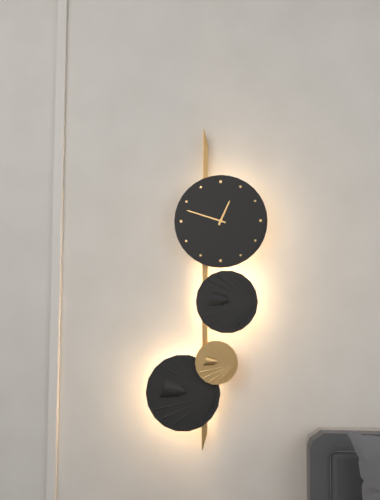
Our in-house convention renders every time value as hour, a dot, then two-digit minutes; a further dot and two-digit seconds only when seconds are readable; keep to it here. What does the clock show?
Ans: 12.48
